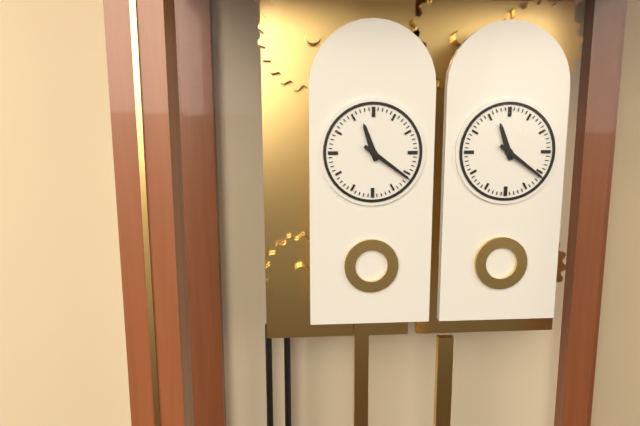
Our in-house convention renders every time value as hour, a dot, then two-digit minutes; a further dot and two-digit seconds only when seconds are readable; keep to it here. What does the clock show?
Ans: 11.21
